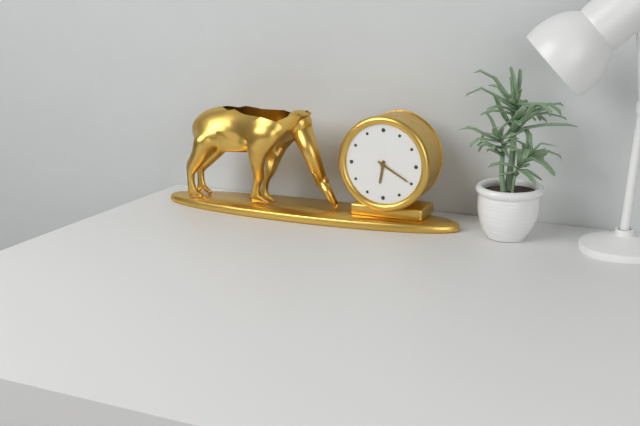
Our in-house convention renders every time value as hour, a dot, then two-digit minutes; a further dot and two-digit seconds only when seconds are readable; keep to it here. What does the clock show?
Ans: 6.20
